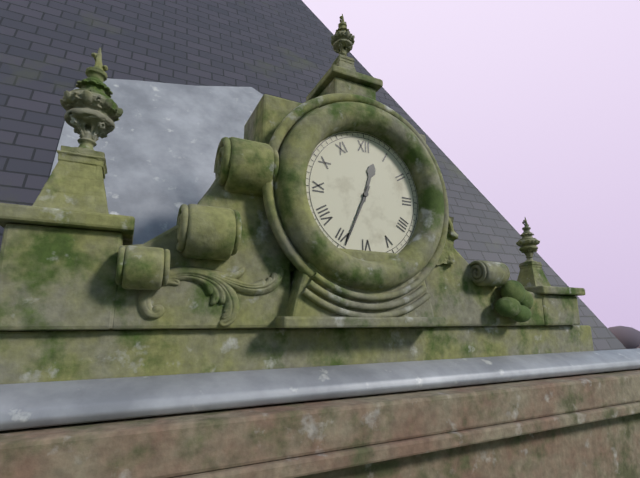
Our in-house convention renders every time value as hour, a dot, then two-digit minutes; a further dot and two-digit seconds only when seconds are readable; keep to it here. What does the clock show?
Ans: 12.34
